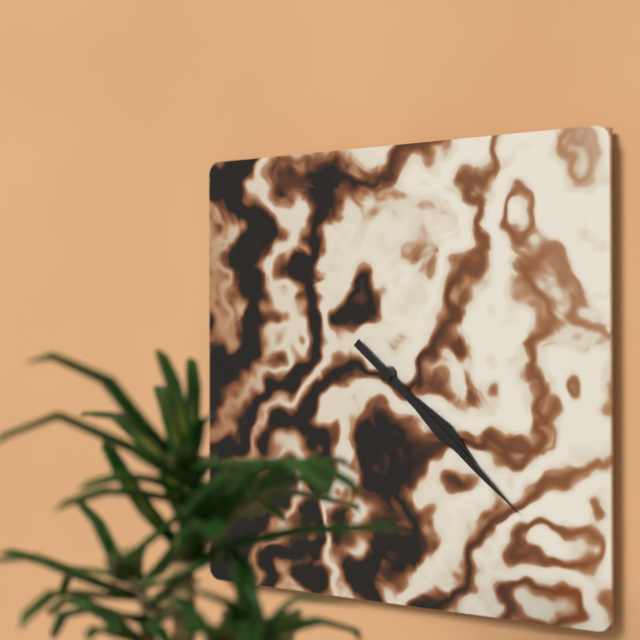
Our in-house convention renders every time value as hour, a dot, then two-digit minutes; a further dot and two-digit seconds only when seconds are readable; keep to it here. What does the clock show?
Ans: 4.22
